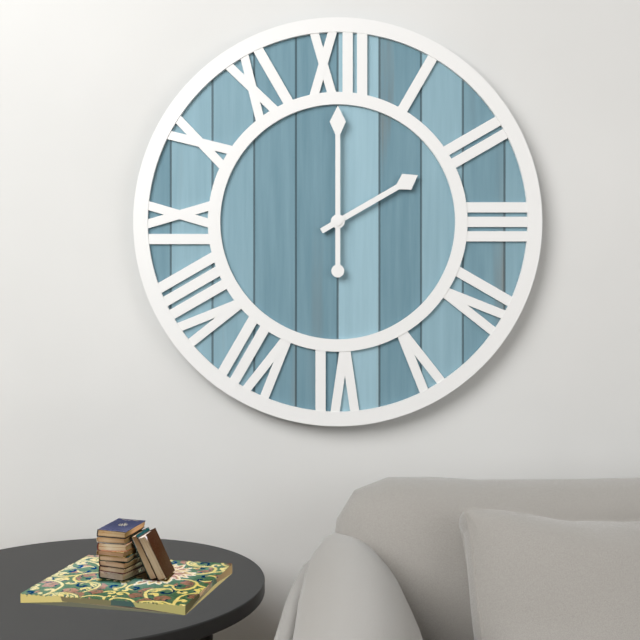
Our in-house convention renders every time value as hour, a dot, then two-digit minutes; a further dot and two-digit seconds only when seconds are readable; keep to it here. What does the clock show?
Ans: 2.00
